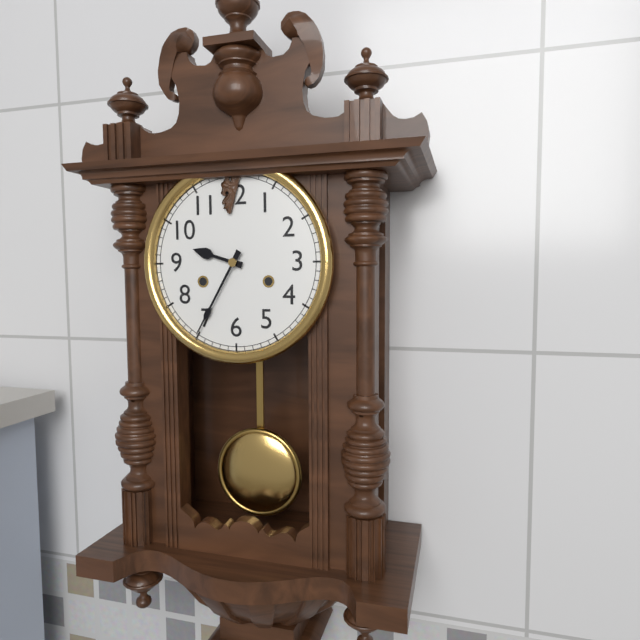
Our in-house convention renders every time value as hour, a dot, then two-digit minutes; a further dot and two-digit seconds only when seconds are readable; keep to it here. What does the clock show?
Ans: 9.35
